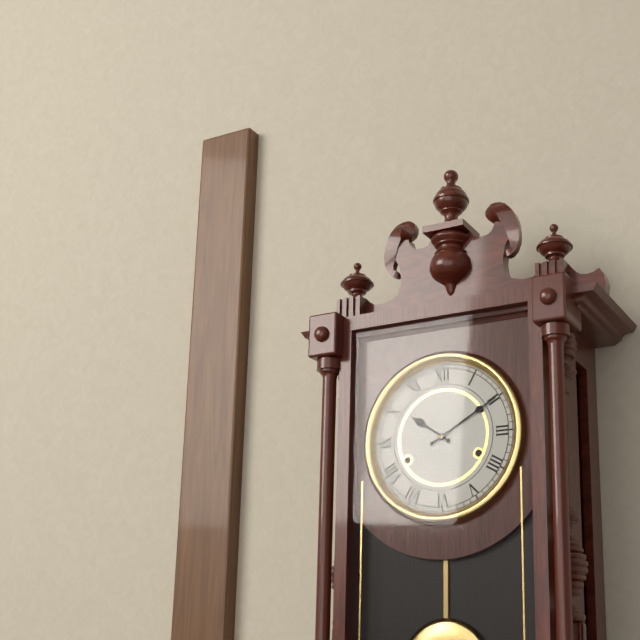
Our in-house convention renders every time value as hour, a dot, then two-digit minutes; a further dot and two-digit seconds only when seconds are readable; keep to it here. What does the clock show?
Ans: 10.10
